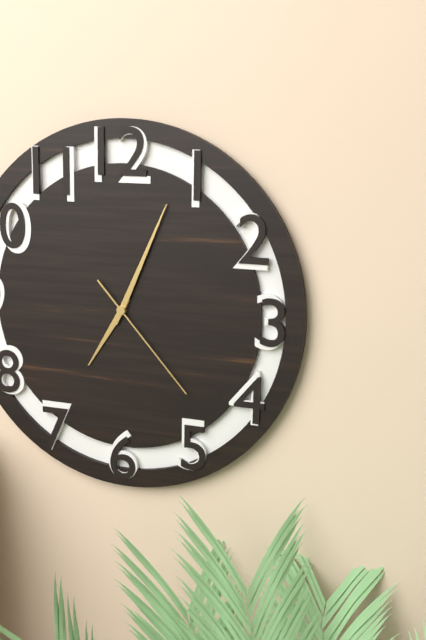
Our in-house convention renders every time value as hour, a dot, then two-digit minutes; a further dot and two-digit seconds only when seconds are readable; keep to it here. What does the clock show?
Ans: 7.04.23
